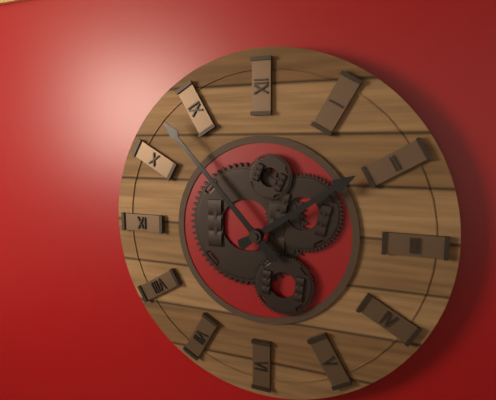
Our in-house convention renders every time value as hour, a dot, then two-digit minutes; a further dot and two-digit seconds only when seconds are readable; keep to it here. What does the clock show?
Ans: 1.53
